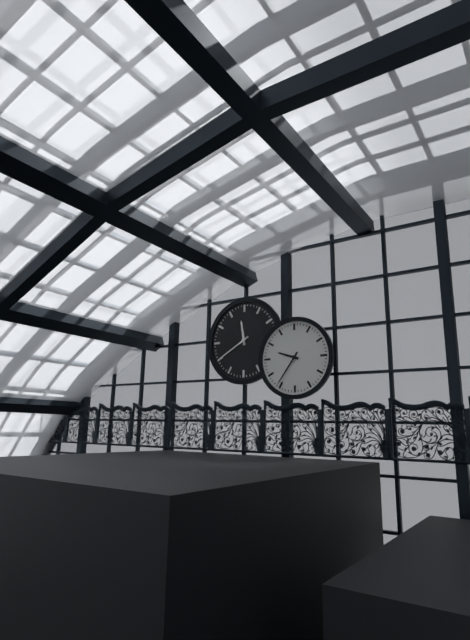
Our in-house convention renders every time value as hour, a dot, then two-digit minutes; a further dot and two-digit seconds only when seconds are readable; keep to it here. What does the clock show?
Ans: 9.36
